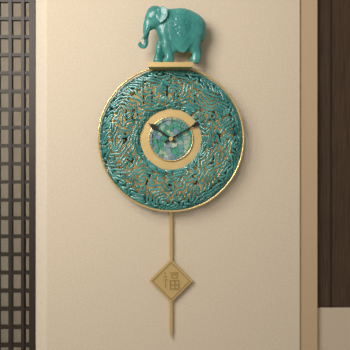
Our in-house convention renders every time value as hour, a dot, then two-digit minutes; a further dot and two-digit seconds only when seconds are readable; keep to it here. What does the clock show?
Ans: 10.10
